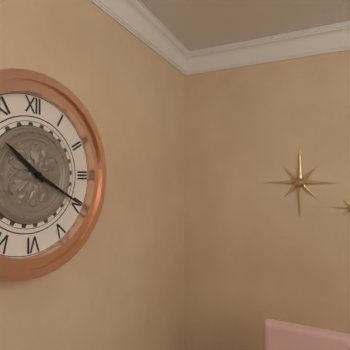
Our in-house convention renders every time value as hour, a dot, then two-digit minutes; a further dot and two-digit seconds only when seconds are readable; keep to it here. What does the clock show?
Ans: 10.20
